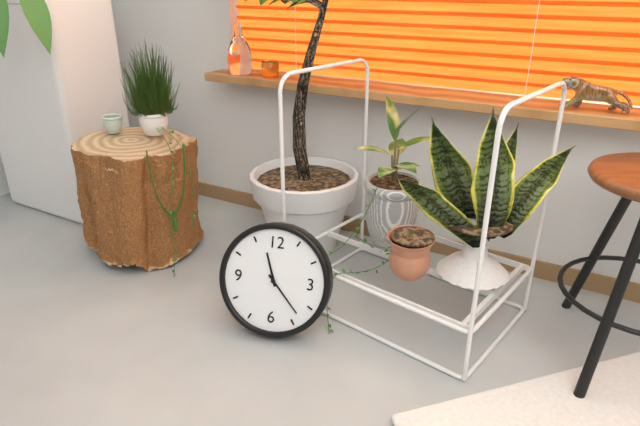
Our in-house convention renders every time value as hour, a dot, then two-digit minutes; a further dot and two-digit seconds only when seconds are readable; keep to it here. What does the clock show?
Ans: 11.23
